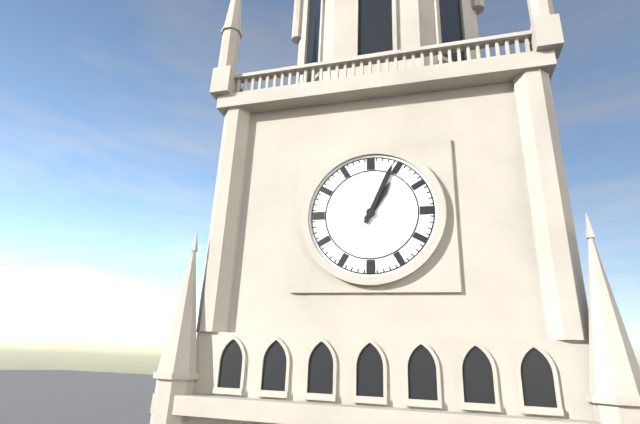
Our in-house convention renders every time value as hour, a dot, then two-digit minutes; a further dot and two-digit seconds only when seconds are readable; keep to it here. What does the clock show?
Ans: 1.04
